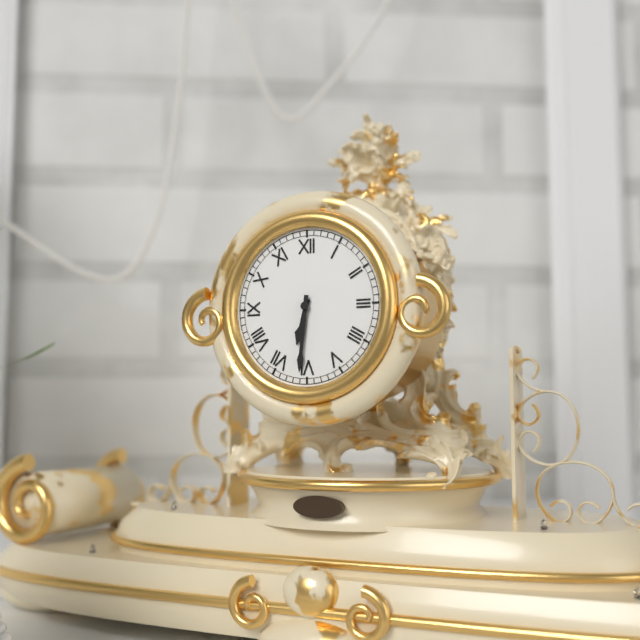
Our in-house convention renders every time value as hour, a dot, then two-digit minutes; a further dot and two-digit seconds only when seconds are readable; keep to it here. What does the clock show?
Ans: 6.31
